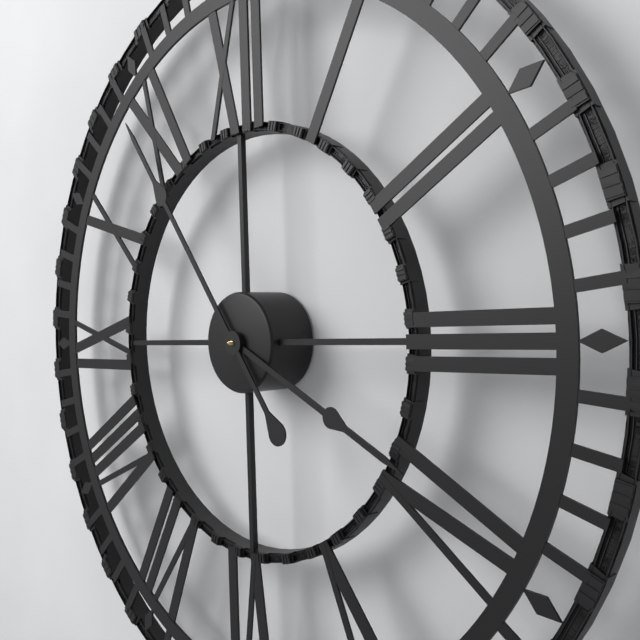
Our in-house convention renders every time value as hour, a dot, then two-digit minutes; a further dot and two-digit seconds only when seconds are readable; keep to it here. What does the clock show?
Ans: 3.54
